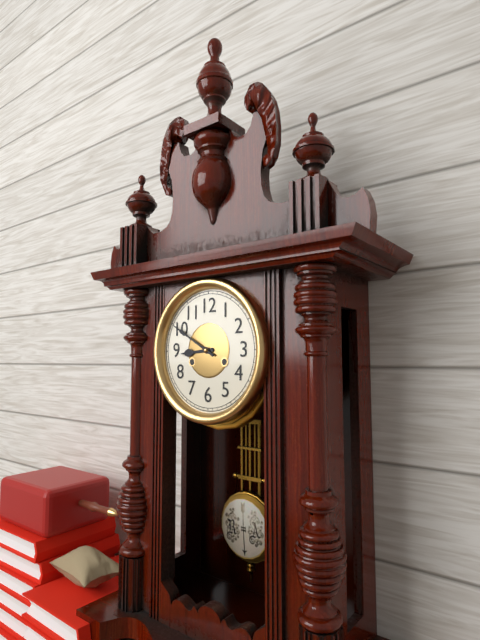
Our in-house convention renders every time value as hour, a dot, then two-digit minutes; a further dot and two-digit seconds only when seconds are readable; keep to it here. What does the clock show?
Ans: 8.50
